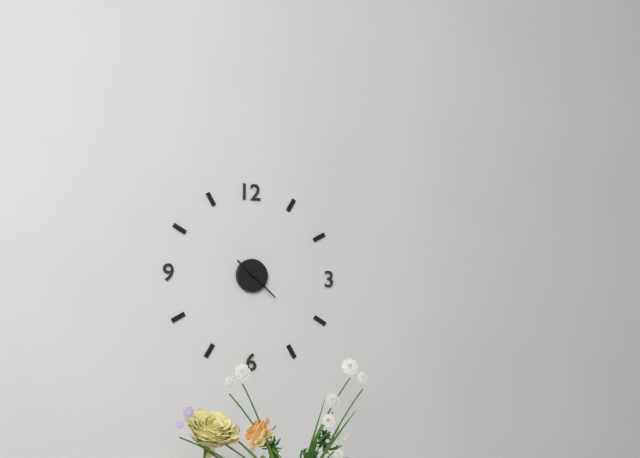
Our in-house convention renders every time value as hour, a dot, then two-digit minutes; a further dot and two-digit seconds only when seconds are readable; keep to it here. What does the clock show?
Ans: 10.22
